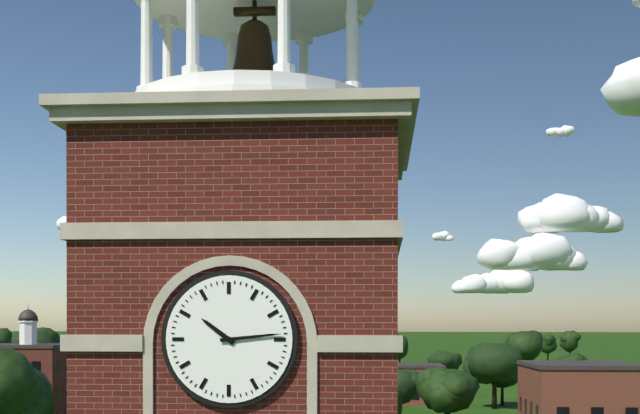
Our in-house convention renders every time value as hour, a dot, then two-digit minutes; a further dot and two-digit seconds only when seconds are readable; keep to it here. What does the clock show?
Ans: 10.14
